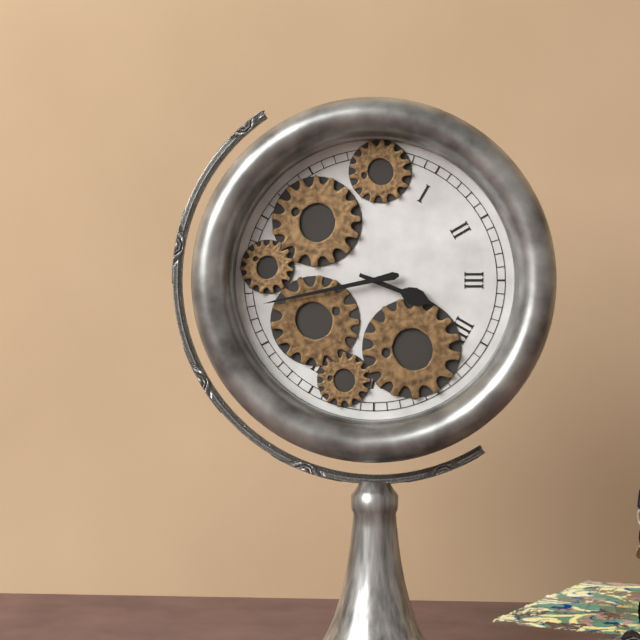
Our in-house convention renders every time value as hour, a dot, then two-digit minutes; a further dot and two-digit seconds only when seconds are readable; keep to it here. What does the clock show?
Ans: 3.43
